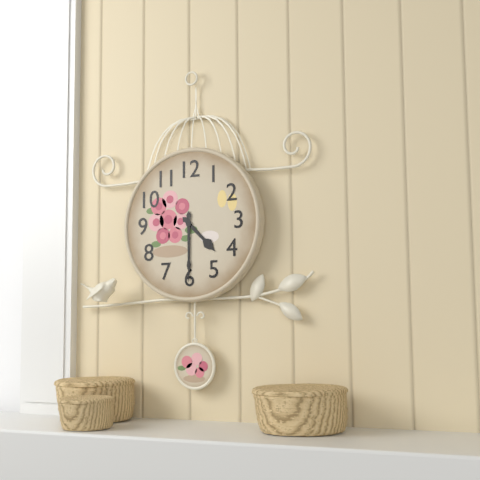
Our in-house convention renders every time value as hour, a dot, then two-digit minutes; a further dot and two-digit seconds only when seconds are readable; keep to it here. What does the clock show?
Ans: 4.30
